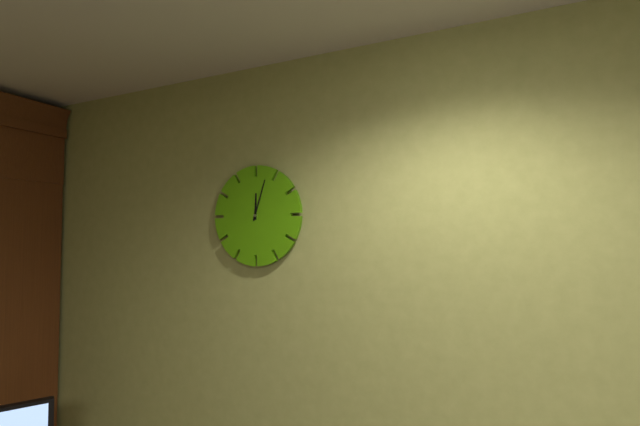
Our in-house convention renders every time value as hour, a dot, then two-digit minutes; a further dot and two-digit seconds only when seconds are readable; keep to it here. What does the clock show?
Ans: 12.03
